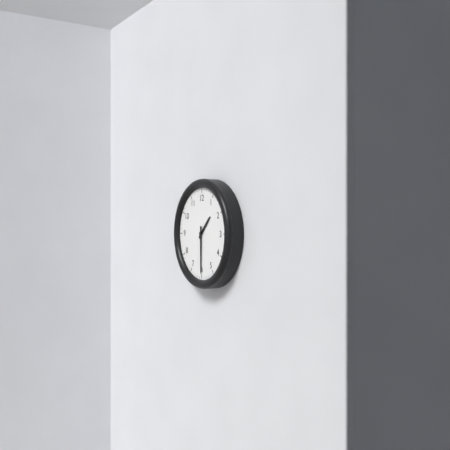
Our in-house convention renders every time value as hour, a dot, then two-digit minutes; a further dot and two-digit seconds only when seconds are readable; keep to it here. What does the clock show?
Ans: 1.30
